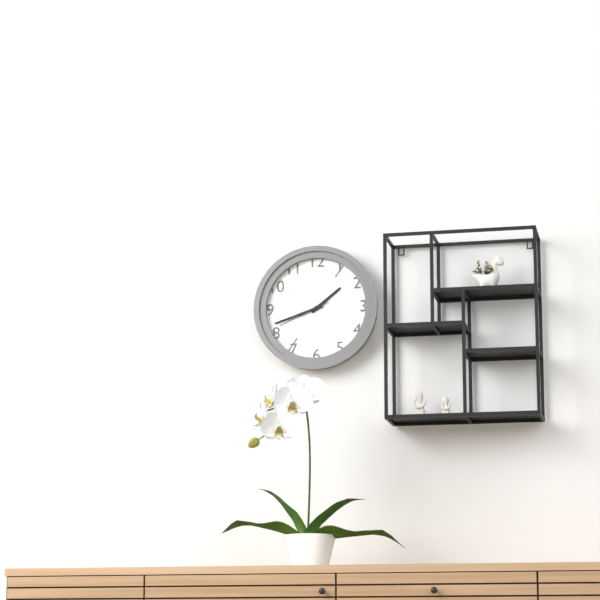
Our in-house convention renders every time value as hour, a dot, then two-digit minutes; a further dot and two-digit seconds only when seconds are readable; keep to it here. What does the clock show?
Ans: 1.42.41
